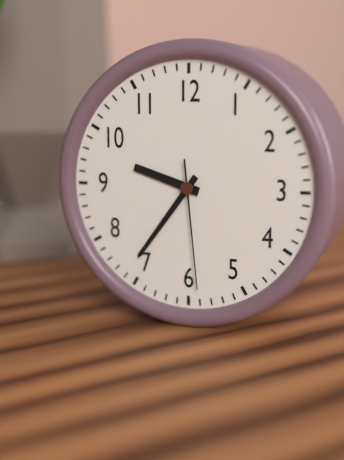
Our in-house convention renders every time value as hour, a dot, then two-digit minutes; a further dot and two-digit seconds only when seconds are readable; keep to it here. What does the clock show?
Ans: 9.36.29
